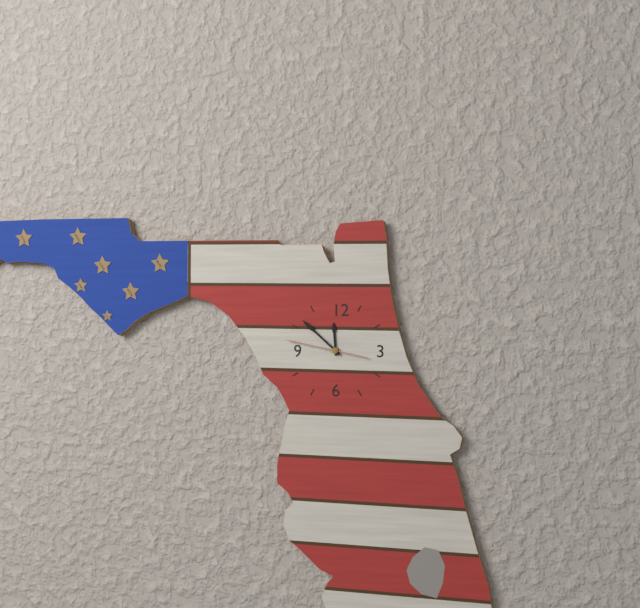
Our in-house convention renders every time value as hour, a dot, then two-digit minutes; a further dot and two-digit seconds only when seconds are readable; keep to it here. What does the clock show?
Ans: 11.52.47
